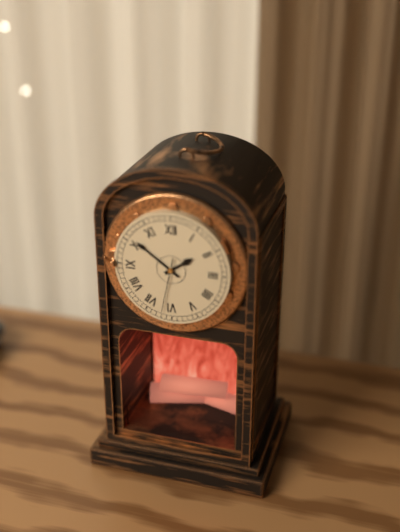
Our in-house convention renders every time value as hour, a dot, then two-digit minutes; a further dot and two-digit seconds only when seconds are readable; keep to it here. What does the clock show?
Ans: 1.51.32
